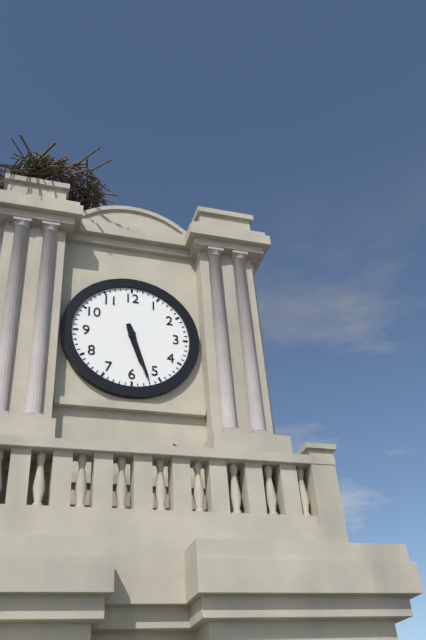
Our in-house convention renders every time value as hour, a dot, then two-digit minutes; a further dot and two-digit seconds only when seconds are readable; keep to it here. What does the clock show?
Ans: 5.27
